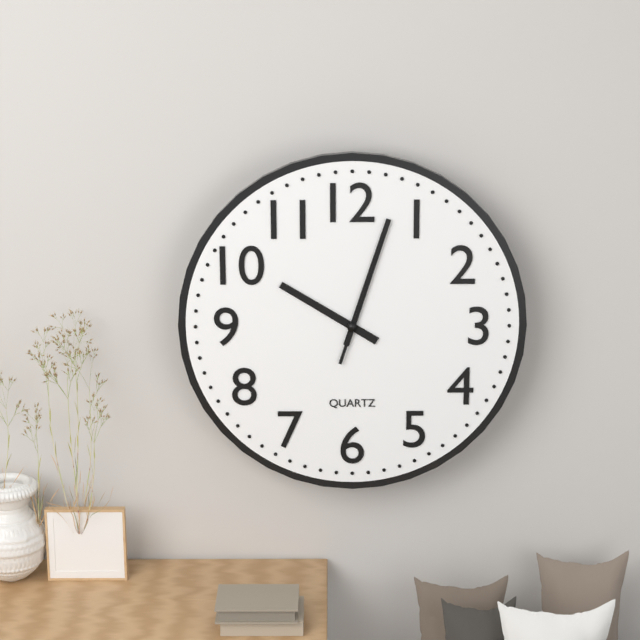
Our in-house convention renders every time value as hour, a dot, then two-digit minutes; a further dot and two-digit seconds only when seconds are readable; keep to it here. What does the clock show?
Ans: 10.03.03
